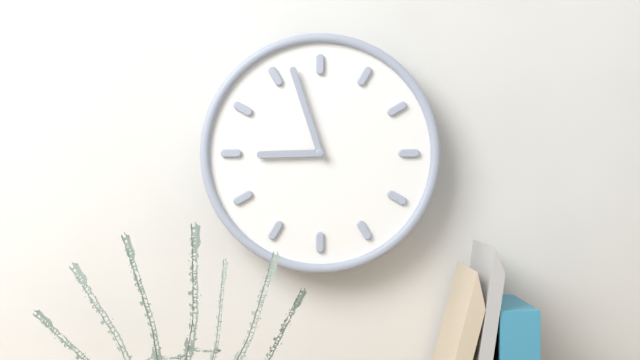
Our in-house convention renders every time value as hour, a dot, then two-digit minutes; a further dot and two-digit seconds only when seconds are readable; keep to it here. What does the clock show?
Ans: 8.57
